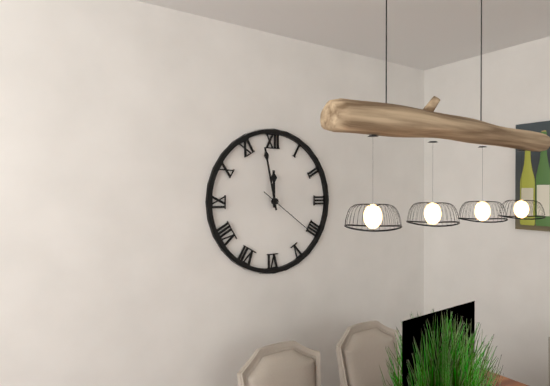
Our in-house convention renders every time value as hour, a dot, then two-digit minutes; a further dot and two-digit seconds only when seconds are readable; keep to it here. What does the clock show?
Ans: 11.58.21
